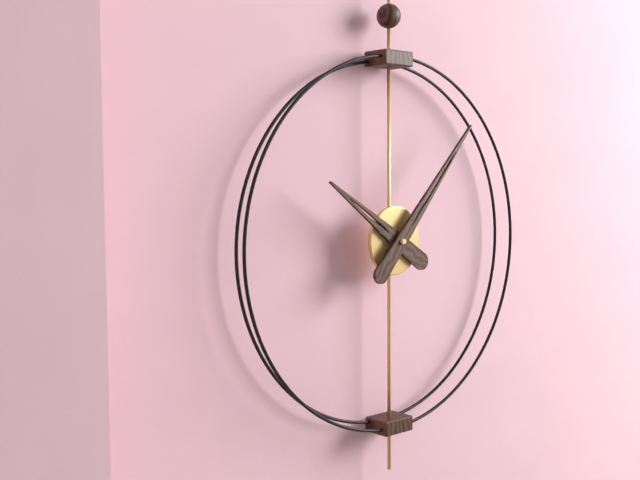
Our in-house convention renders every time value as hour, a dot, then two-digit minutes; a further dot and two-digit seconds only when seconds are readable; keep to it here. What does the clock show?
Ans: 10.07
